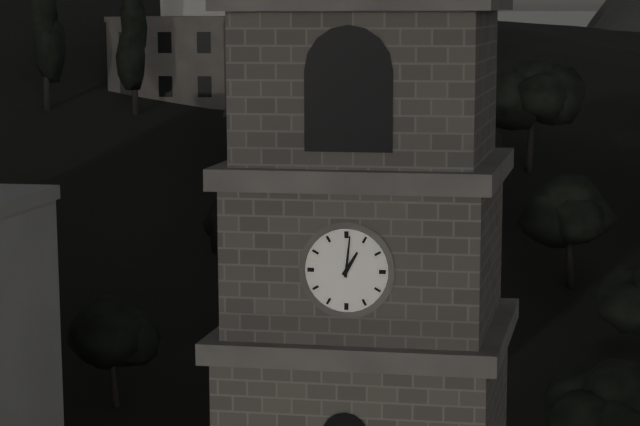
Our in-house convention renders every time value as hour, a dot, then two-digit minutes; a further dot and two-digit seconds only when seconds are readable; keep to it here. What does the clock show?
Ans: 1.01
